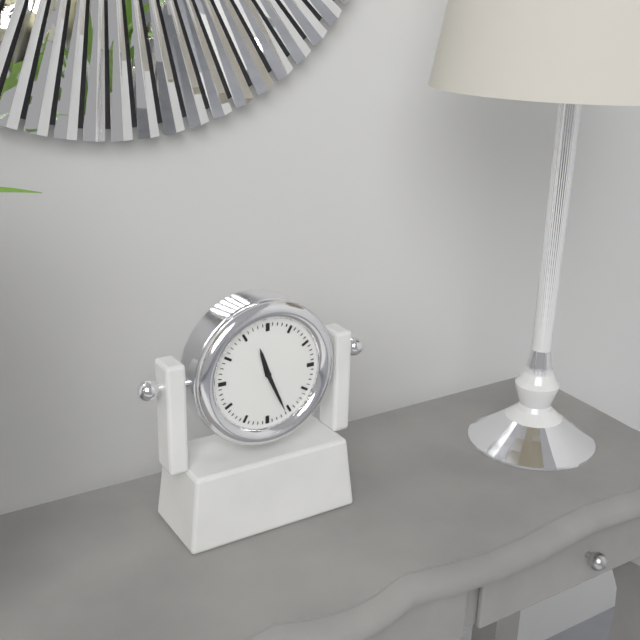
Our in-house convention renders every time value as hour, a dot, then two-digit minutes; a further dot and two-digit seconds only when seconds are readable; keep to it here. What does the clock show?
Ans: 11.26
